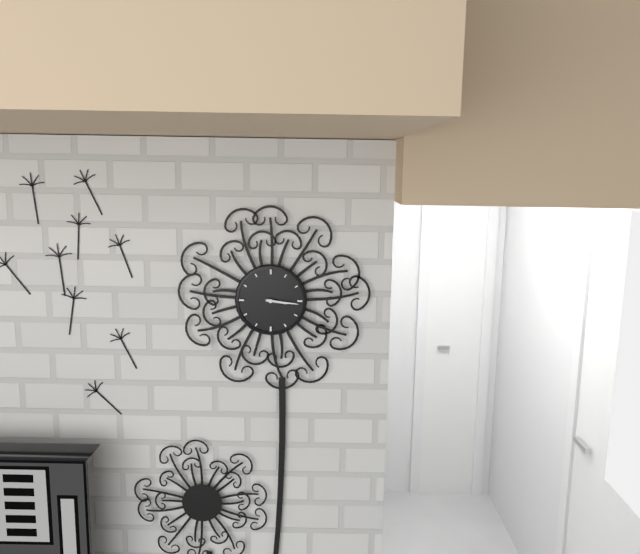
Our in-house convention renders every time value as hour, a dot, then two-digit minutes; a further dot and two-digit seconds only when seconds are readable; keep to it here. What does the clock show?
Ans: 3.16
